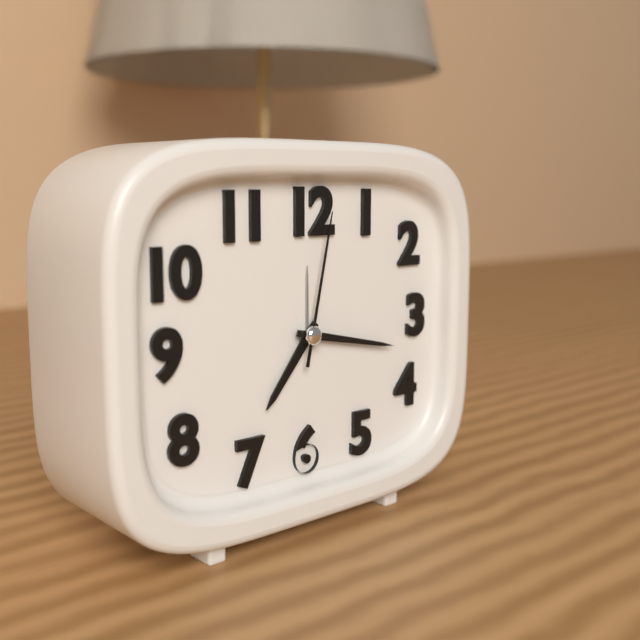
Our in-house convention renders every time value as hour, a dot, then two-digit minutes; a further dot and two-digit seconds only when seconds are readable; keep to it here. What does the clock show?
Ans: 7.17.02
